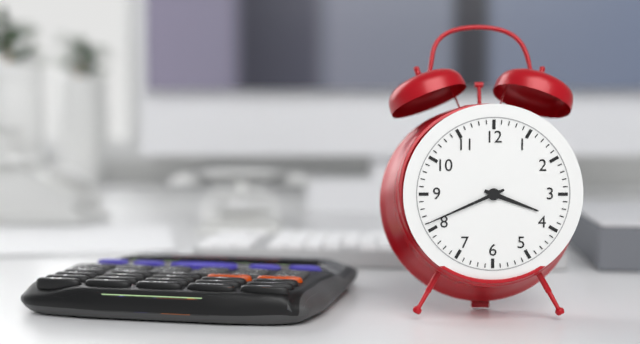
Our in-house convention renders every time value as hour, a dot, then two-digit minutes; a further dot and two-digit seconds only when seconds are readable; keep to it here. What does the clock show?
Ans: 3.41
